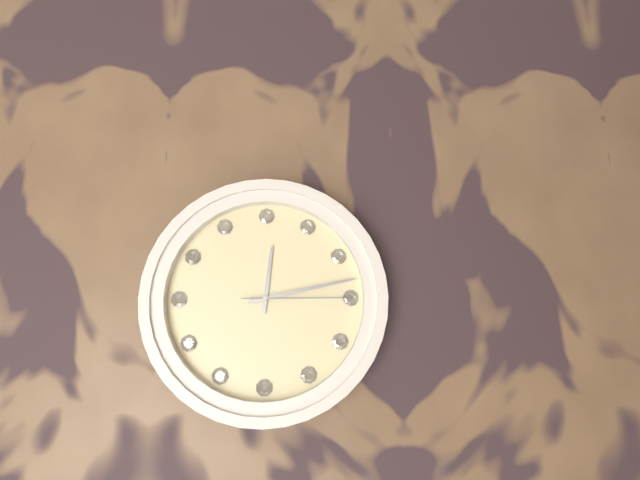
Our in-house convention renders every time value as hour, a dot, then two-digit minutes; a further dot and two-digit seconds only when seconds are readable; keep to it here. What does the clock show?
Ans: 12.13.15
